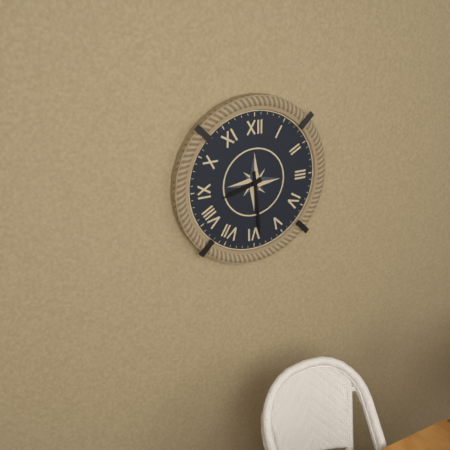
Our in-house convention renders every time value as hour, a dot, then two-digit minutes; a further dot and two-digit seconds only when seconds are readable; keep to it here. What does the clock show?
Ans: 8.29
